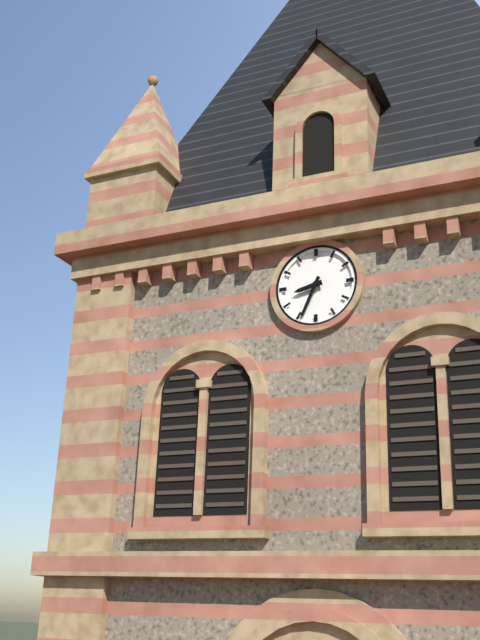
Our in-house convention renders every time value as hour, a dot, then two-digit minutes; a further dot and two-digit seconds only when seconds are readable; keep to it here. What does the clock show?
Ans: 8.34
